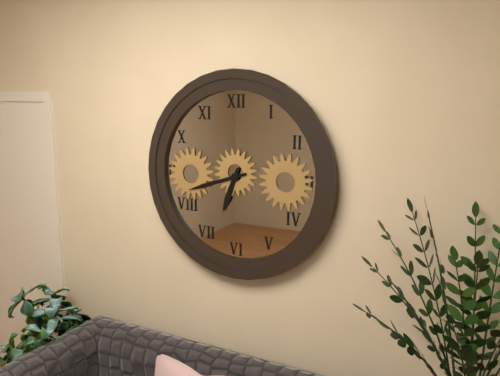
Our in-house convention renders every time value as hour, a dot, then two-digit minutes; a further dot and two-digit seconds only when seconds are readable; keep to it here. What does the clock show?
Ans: 6.42
